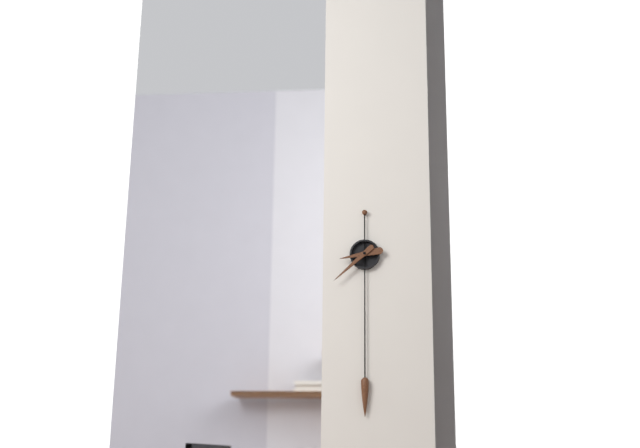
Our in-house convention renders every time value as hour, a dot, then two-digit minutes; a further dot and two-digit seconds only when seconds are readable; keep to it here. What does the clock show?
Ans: 8.38
